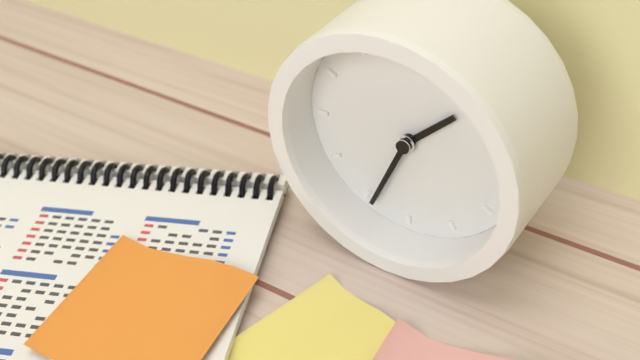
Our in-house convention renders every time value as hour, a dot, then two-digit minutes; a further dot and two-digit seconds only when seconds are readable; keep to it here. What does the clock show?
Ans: 1.34
